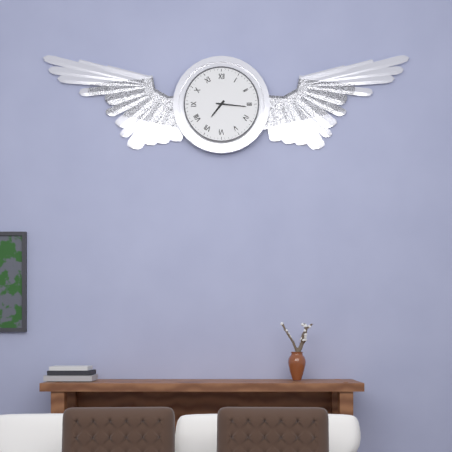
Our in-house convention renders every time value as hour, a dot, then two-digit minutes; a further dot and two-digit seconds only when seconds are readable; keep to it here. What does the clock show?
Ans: 7.16
